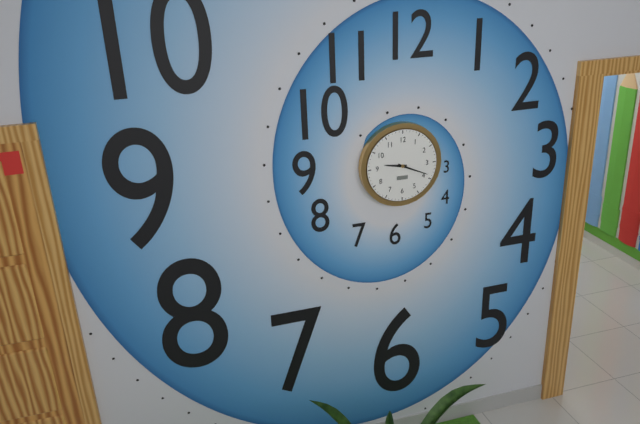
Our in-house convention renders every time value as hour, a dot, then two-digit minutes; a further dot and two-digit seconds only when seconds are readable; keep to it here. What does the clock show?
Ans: 9.19
